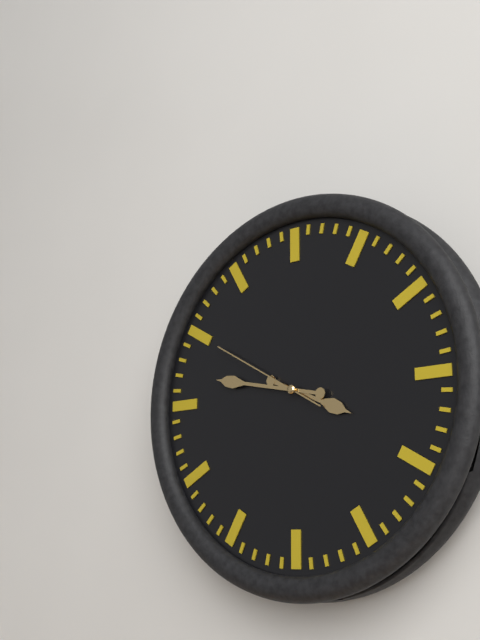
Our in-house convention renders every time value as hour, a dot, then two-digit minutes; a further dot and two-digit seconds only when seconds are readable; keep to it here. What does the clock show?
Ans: 3.47.50
